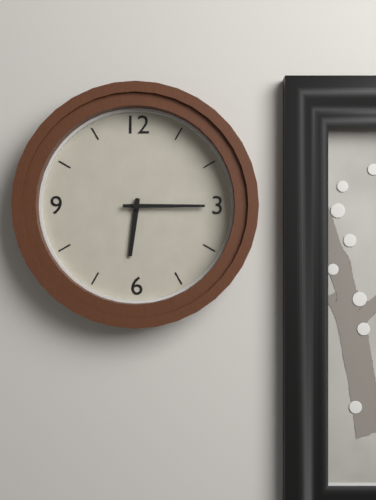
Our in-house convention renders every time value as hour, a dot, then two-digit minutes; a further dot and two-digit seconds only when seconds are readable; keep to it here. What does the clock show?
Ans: 6.15
